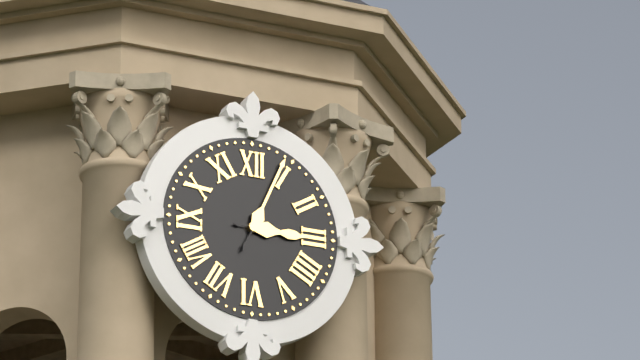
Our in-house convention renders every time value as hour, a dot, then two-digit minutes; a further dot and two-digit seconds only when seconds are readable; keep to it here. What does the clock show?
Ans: 3.04
